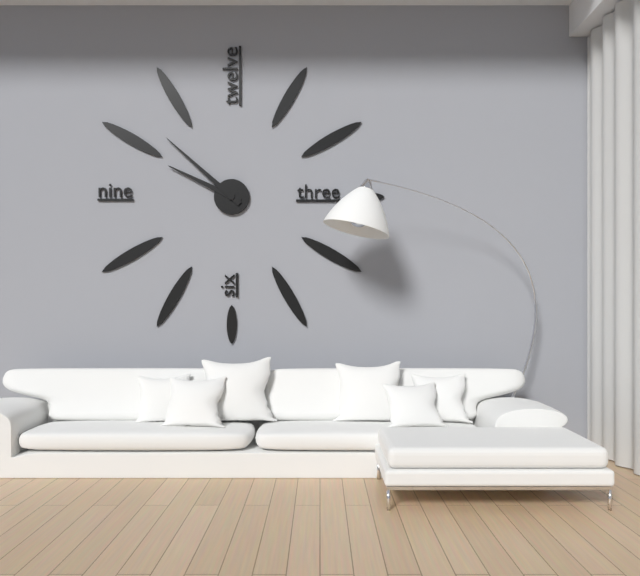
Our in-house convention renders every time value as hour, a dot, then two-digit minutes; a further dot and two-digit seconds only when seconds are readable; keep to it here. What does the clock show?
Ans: 9.52
